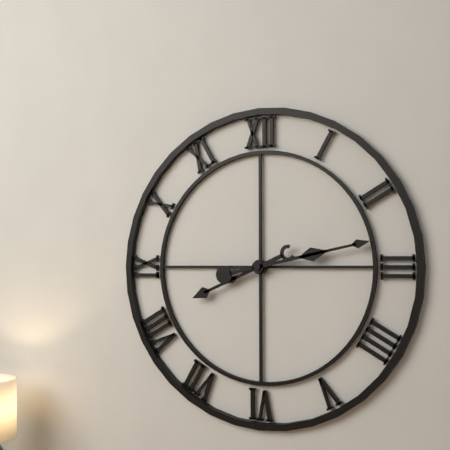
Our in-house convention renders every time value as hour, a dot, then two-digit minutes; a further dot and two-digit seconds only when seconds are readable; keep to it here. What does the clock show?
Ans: 8.13
